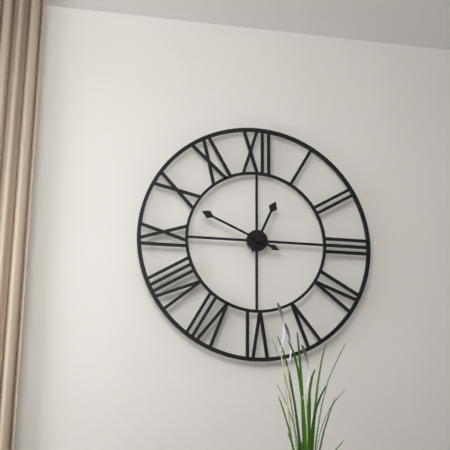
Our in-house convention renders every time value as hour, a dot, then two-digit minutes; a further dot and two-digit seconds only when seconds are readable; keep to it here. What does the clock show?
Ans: 12.49
